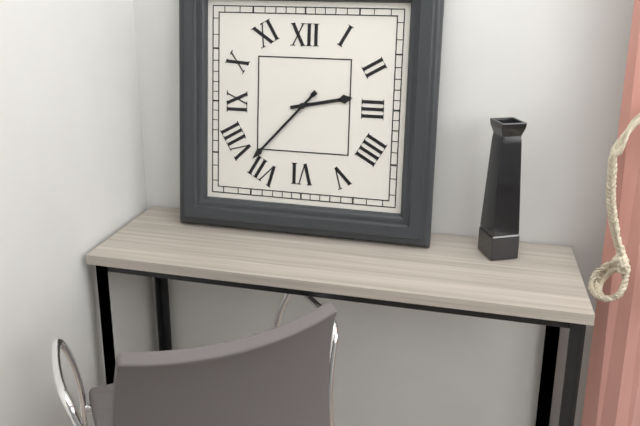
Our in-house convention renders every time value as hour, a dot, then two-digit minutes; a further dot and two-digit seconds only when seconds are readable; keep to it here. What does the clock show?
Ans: 2.37
